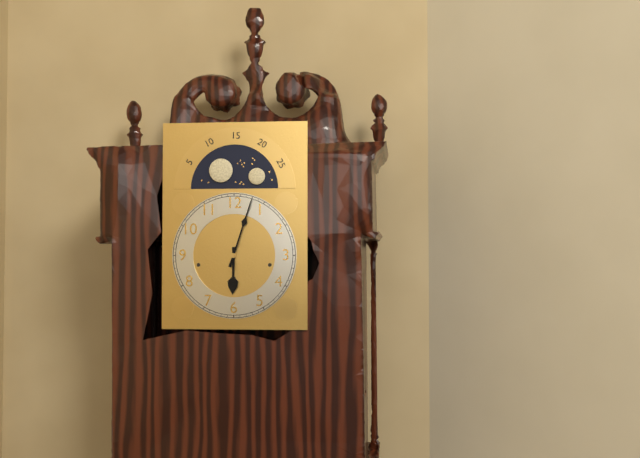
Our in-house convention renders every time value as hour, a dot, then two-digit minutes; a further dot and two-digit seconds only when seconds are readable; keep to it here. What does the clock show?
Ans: 6.03
